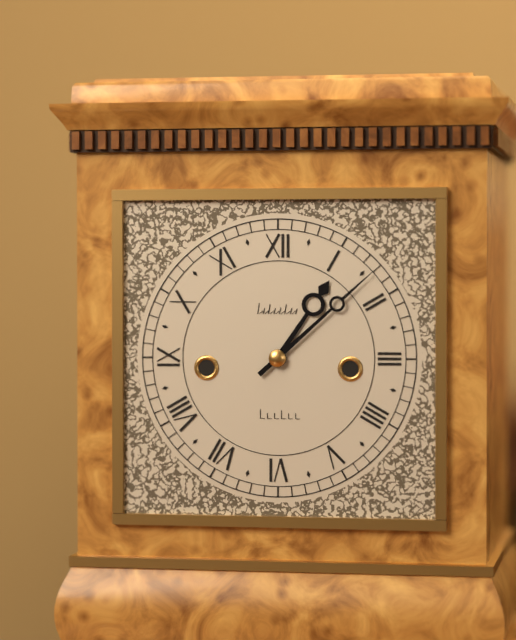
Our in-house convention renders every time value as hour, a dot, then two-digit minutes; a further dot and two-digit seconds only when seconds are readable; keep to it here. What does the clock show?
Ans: 1.08
